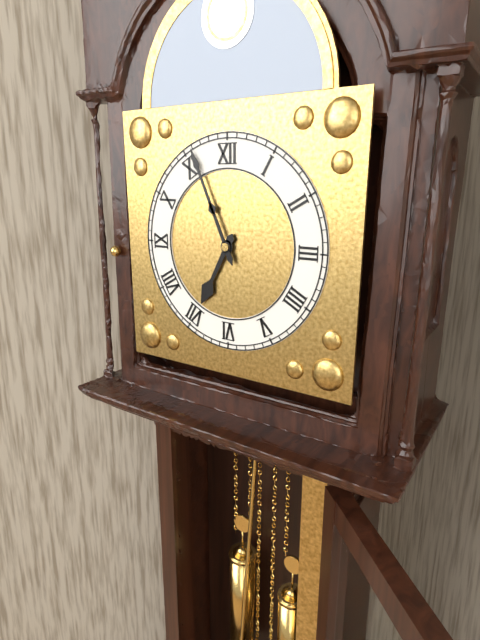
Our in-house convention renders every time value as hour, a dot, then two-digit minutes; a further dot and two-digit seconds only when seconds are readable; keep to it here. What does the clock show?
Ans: 6.56
